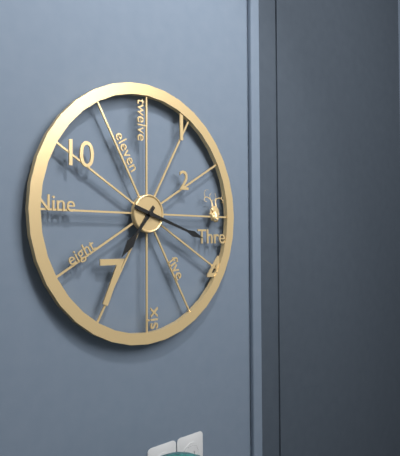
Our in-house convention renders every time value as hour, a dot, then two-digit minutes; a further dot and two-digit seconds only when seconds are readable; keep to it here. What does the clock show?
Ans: 7.18
